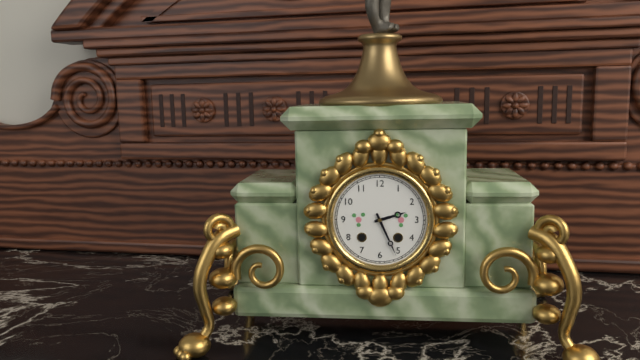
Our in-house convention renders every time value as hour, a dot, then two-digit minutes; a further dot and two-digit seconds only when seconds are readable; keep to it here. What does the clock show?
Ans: 2.26
